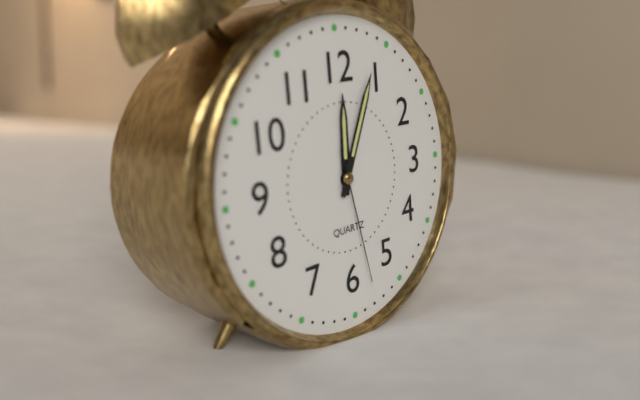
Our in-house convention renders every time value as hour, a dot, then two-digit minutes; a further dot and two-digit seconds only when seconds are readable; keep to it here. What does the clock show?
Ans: 12.04.28
